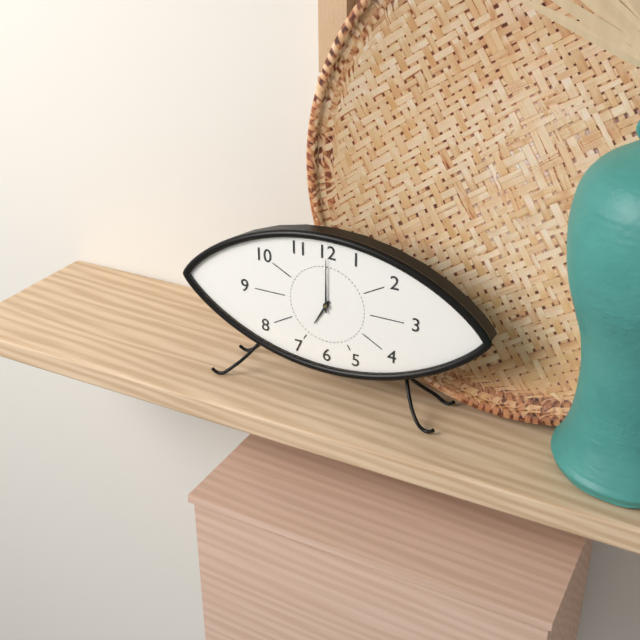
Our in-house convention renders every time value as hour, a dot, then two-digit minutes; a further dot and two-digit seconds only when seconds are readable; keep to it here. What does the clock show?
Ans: 7.00
